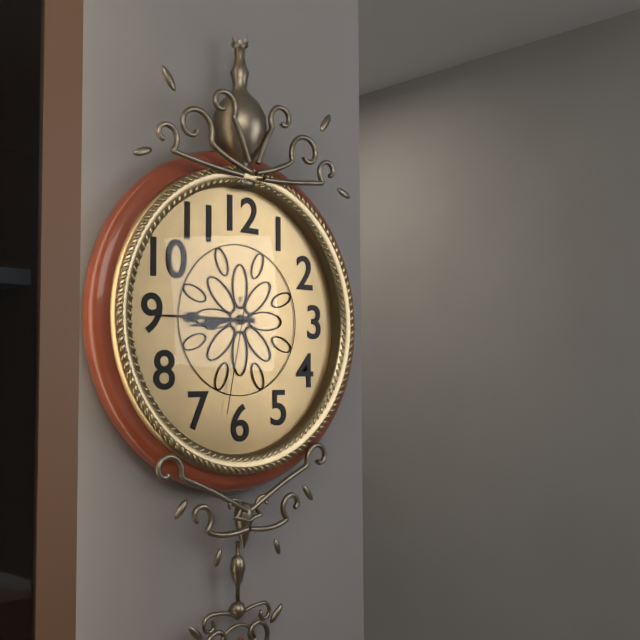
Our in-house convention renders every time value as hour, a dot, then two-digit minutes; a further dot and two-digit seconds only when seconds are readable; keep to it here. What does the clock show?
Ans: 8.45.32
